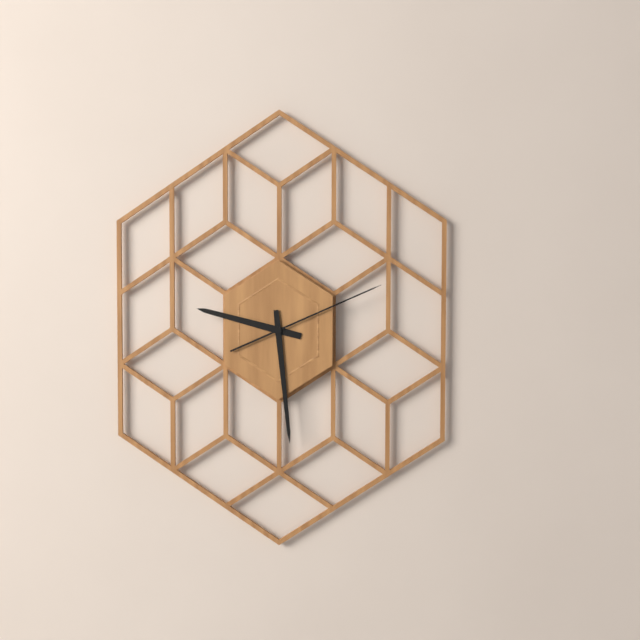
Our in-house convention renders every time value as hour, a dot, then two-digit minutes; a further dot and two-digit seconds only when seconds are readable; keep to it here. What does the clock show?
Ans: 9.29.11
